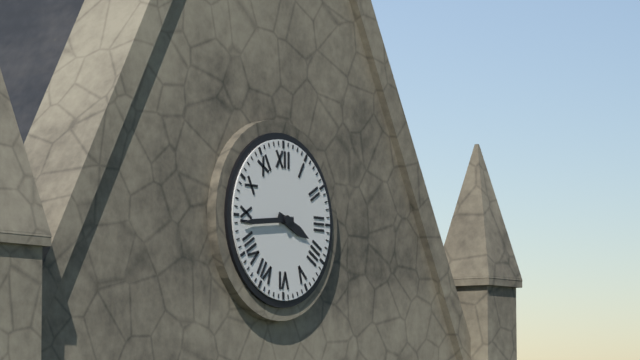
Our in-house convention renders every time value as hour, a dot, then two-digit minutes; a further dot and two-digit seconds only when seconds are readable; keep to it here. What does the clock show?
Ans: 3.44
